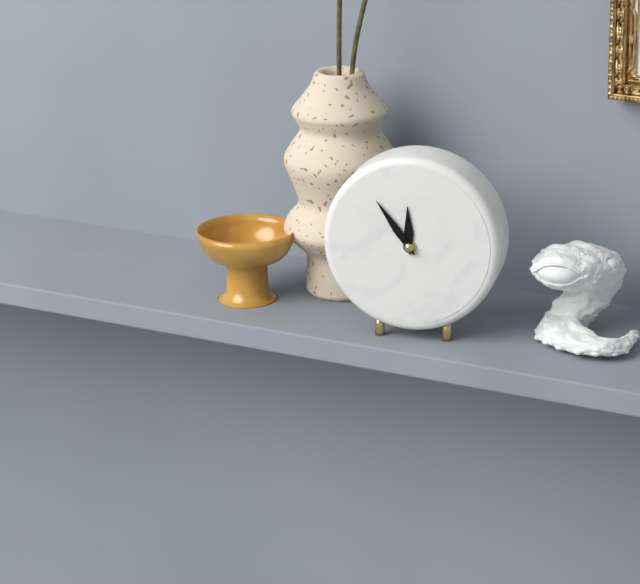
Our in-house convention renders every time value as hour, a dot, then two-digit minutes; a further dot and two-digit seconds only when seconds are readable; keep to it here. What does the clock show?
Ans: 11.54
